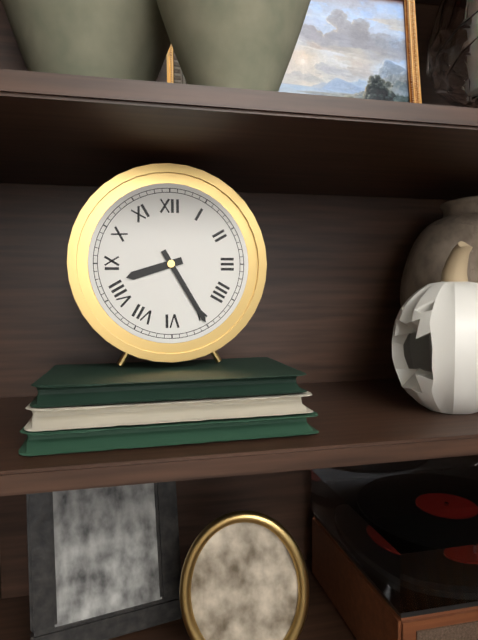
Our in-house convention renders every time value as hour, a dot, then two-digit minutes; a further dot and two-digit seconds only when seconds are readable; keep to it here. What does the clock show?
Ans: 8.25
